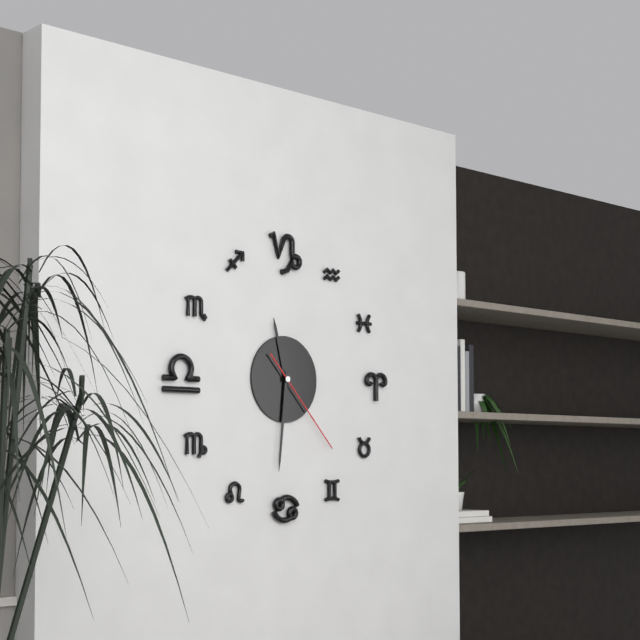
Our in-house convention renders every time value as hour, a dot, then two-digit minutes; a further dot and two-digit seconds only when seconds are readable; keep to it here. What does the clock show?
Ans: 11.31.23
